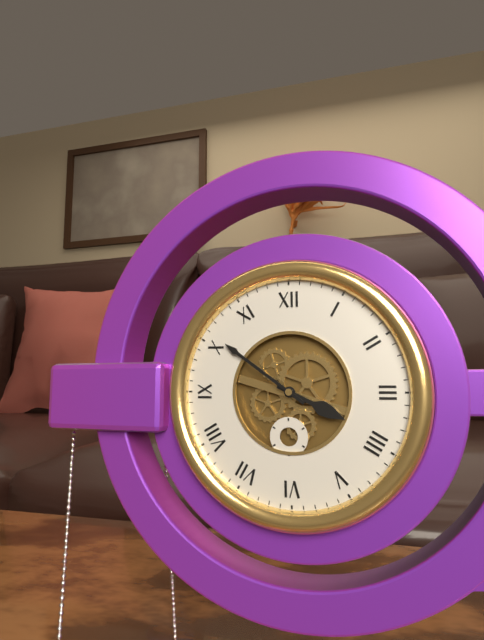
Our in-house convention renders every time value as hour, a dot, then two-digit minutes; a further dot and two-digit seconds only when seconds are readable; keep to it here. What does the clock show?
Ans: 3.51
